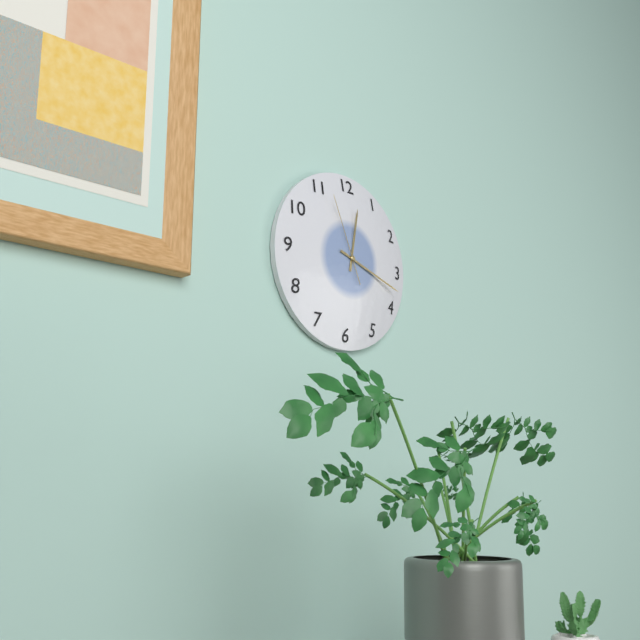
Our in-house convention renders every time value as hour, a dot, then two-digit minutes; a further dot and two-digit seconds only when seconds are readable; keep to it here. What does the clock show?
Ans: 12.18.56
